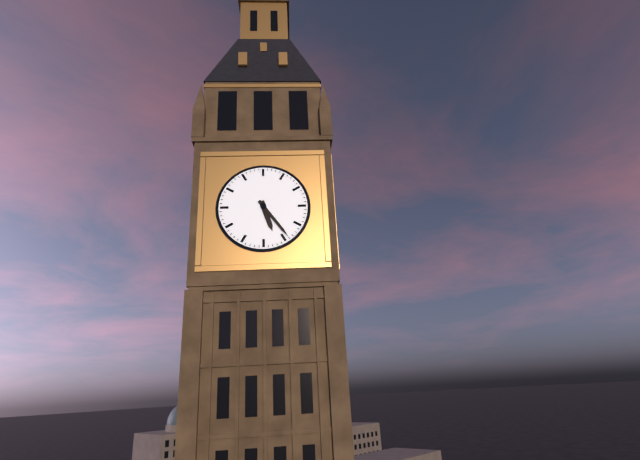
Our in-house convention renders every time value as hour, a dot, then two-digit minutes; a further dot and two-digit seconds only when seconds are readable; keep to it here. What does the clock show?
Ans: 5.24
